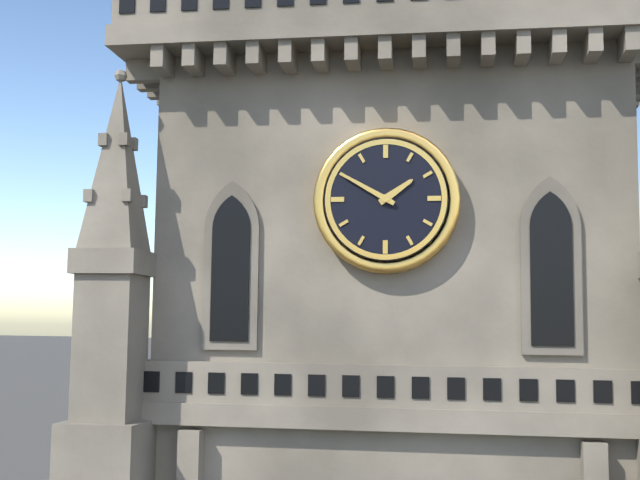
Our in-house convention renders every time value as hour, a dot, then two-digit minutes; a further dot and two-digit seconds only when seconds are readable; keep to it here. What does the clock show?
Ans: 1.50
